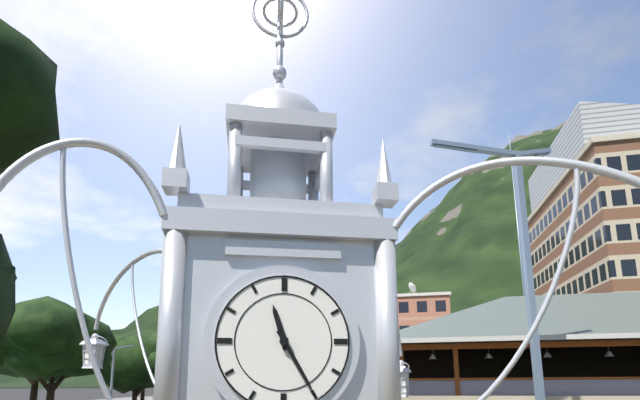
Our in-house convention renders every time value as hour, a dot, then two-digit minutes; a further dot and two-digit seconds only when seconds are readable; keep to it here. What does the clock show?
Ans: 11.25
